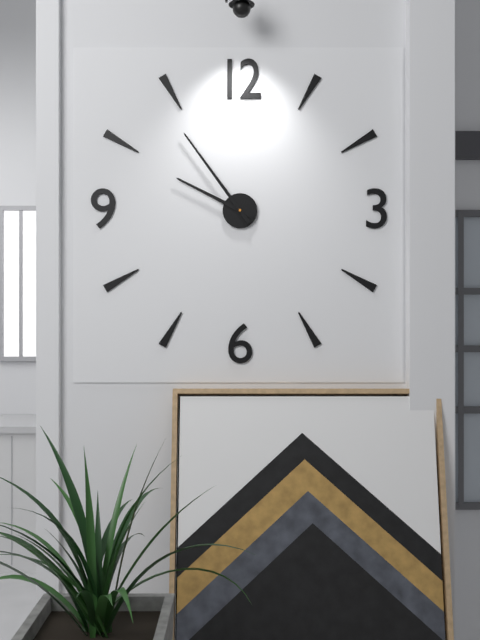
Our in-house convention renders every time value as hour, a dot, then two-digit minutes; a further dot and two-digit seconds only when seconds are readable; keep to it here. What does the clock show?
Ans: 9.54
